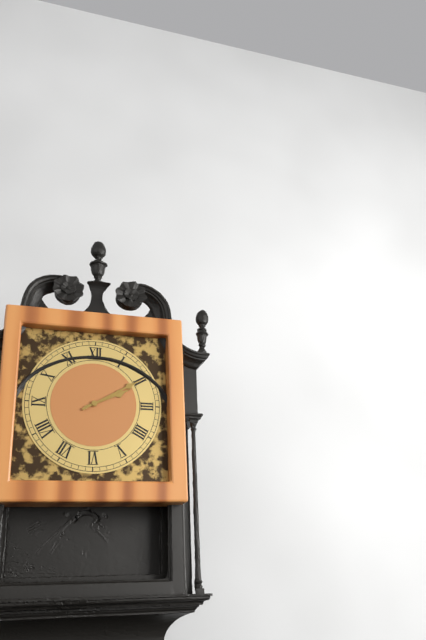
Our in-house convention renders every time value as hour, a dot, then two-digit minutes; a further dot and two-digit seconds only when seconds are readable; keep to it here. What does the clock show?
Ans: 2.10
